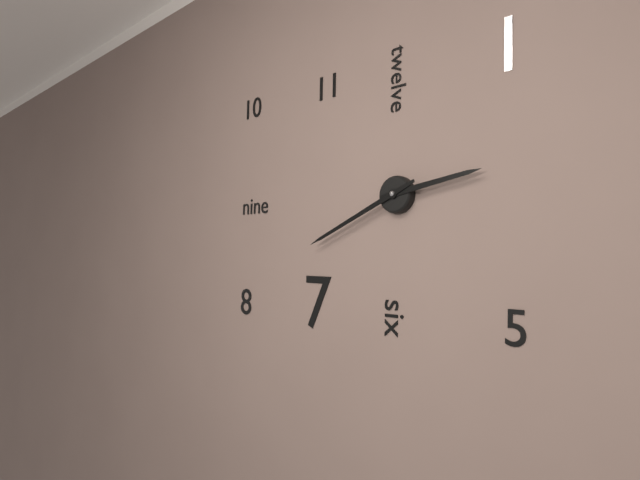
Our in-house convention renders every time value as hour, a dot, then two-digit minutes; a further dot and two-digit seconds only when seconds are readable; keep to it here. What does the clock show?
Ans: 2.41
